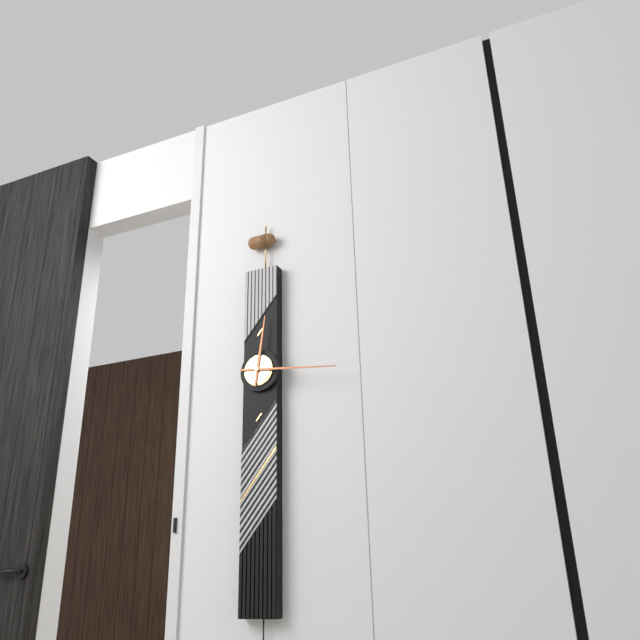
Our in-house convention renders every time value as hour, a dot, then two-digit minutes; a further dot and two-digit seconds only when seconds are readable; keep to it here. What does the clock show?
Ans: 12.16
